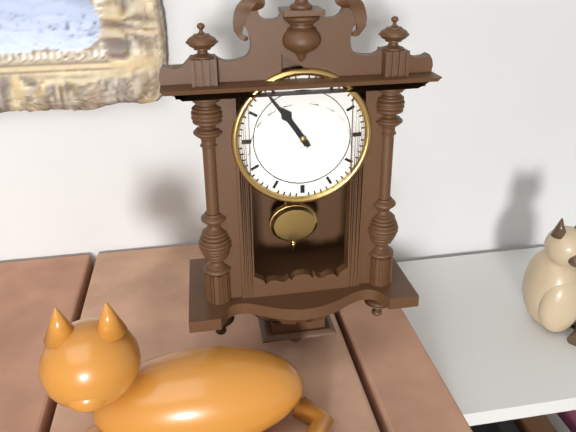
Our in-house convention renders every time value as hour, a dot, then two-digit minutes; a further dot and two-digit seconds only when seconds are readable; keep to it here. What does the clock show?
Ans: 10.54
